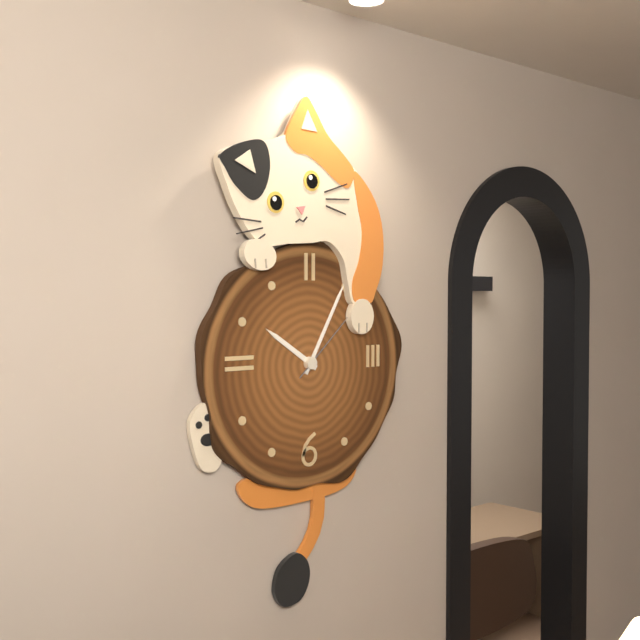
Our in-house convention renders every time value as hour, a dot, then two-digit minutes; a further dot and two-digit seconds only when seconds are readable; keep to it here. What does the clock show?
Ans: 10.05
